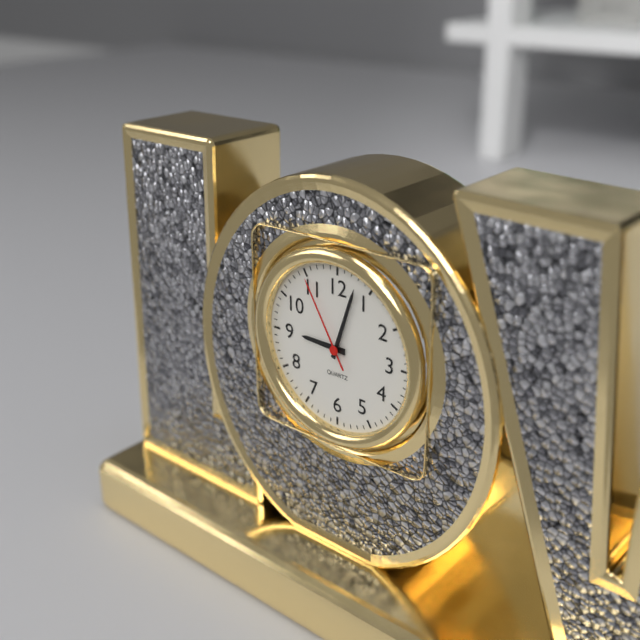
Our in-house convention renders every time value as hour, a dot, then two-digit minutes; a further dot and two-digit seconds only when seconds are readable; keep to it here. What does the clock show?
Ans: 9.03.55
